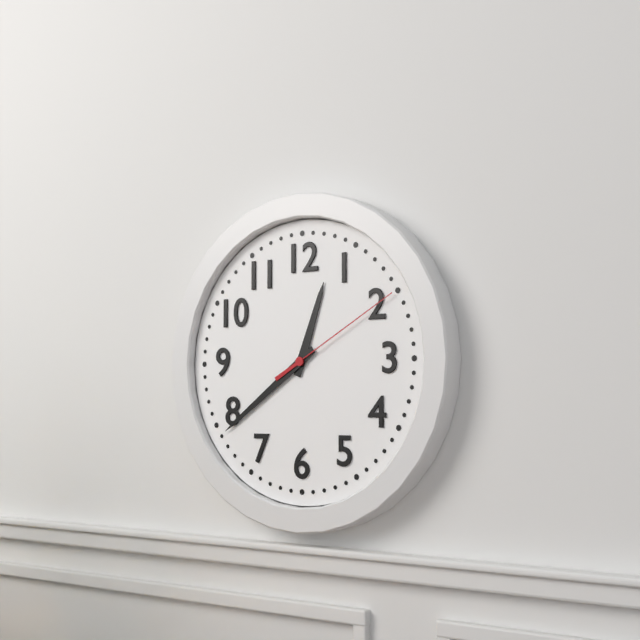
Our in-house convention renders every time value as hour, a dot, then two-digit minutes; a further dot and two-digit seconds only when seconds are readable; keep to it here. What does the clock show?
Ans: 12.39.10
